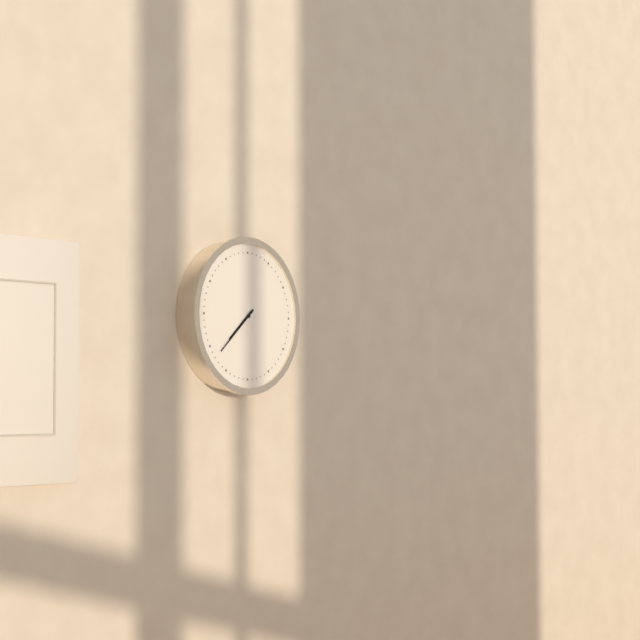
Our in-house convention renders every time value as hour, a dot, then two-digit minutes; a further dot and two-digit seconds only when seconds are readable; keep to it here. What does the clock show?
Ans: 7.38
